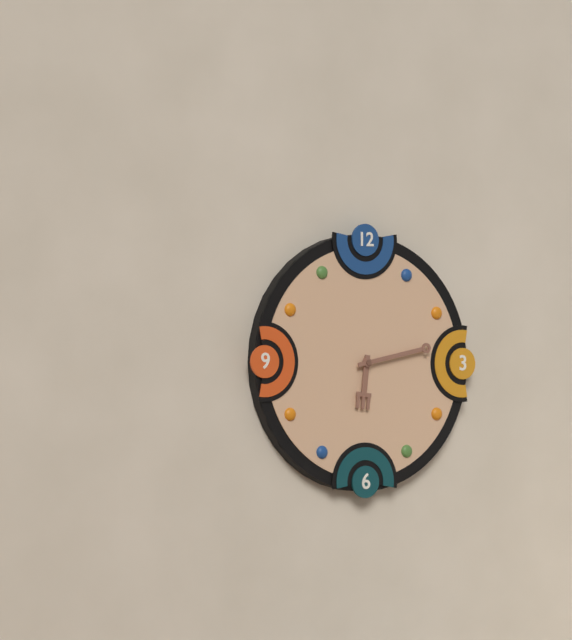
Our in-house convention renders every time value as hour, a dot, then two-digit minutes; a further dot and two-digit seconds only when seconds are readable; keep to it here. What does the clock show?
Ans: 6.13
